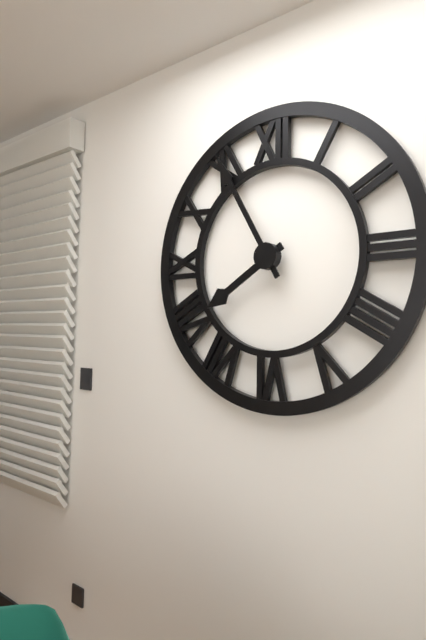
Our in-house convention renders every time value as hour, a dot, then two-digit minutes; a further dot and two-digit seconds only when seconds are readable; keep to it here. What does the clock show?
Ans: 7.55
